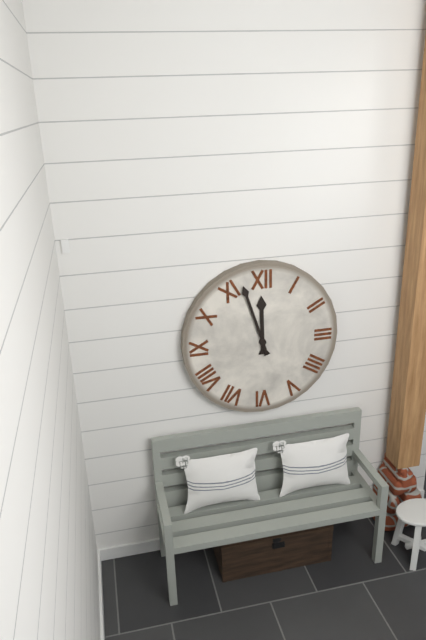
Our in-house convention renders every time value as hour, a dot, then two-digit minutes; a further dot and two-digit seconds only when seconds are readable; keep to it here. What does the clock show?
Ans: 11.57
